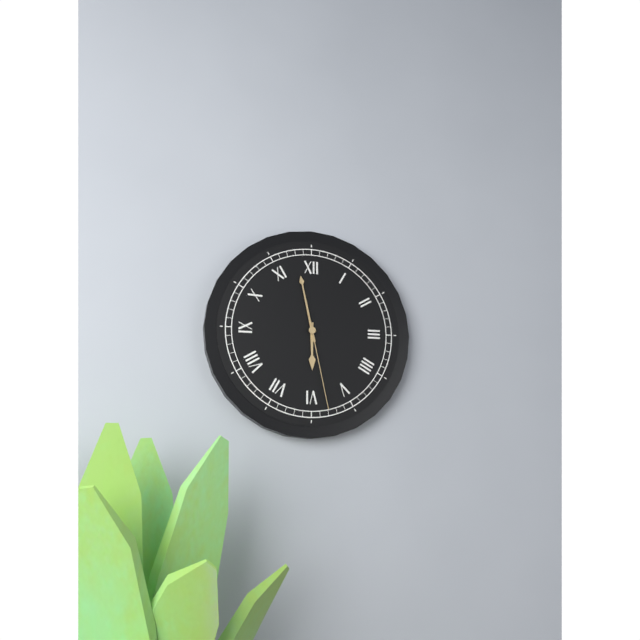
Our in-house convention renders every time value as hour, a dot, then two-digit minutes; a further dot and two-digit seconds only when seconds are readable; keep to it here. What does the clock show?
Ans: 5.58.28
